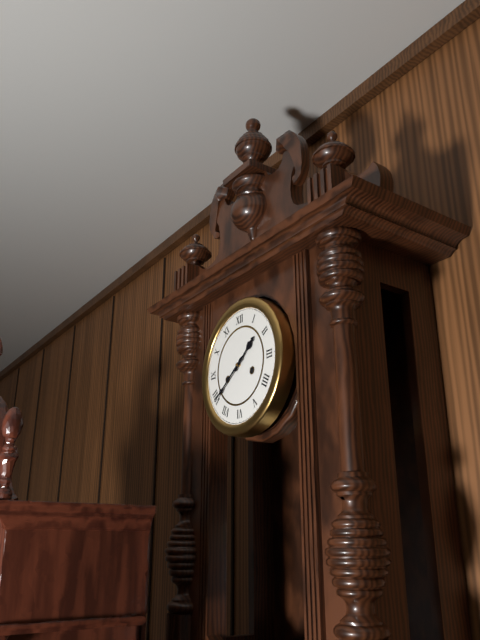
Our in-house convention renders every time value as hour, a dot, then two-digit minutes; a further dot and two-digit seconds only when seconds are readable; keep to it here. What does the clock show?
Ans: 1.39
